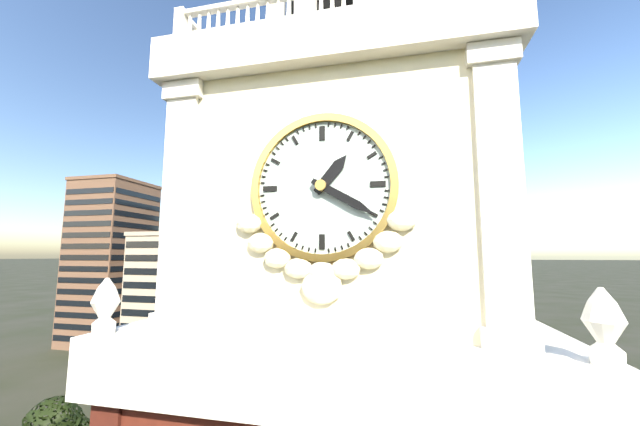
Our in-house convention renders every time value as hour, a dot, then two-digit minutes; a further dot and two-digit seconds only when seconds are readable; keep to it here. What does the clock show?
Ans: 1.20
